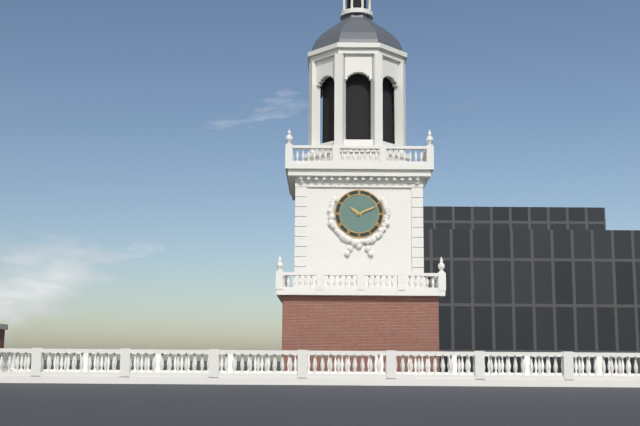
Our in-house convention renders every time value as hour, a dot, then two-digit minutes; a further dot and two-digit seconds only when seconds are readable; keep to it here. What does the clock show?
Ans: 10.11
